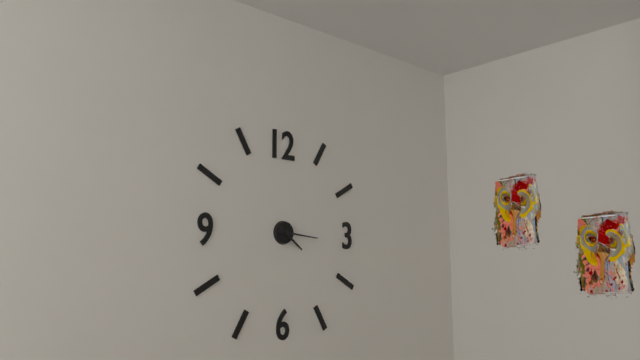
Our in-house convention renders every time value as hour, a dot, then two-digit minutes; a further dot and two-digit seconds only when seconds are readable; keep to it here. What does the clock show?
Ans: 4.16
